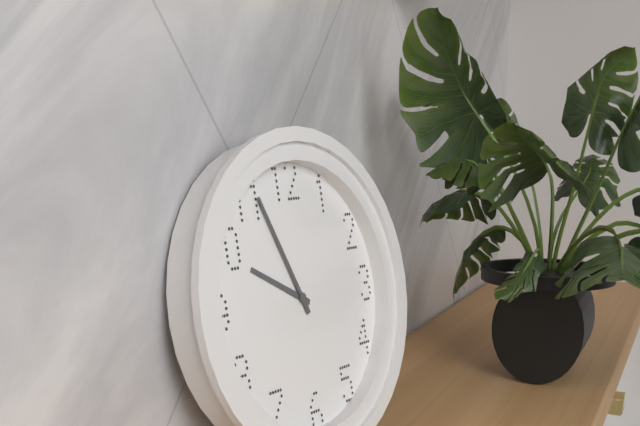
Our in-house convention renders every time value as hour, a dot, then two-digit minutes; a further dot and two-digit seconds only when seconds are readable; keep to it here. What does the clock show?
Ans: 9.56
